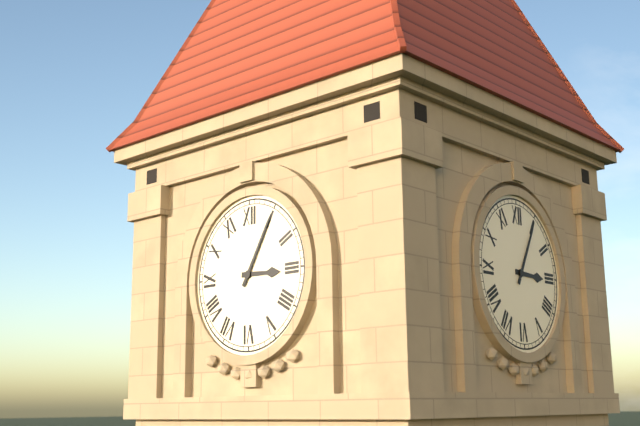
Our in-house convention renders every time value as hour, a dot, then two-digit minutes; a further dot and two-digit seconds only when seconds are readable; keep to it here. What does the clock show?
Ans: 3.05
